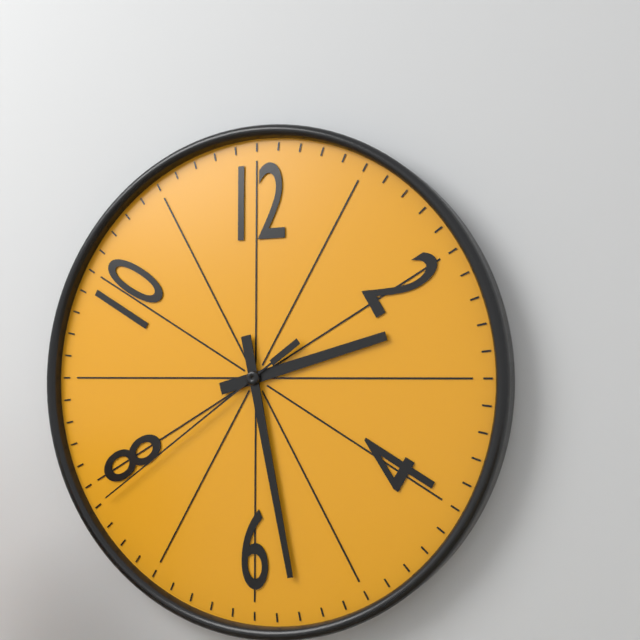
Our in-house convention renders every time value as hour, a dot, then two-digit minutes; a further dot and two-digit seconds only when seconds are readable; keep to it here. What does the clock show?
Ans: 2.28.39
